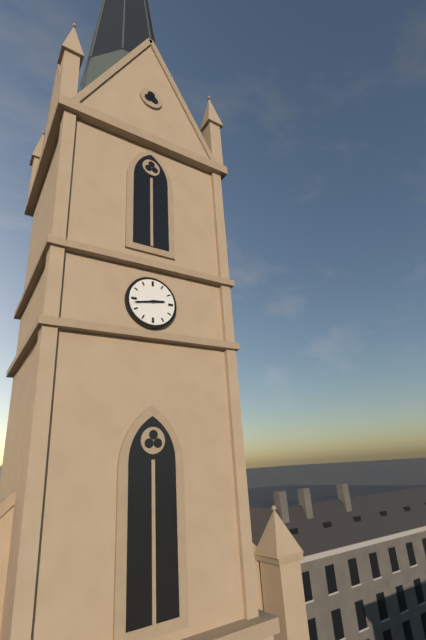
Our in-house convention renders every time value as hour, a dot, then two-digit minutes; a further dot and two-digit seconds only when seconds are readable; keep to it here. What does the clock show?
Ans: 2.43
